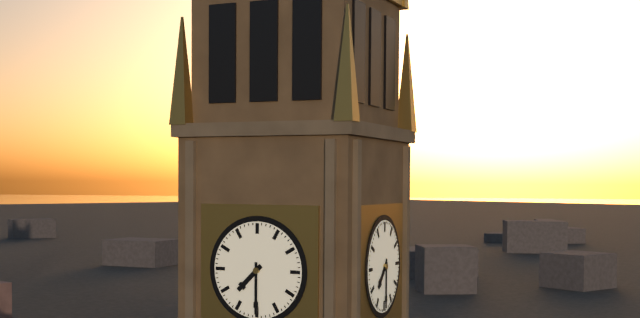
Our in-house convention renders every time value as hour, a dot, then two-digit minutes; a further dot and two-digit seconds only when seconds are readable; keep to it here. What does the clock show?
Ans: 7.30
